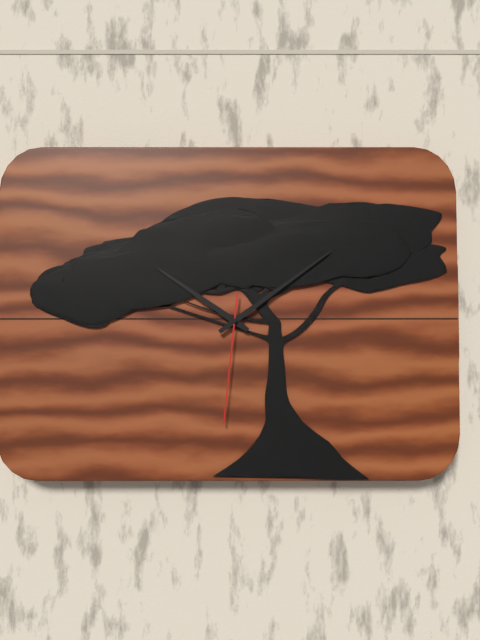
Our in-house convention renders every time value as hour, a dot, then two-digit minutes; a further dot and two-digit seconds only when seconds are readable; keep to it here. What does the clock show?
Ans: 10.09.31
